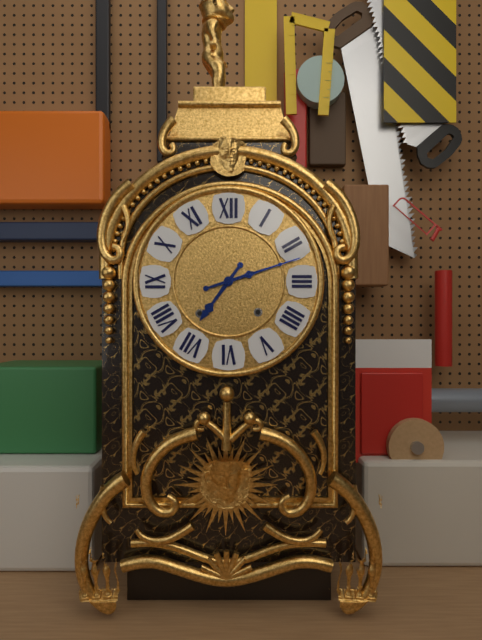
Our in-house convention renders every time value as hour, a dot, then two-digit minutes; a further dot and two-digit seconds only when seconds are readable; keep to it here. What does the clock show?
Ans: 7.12
